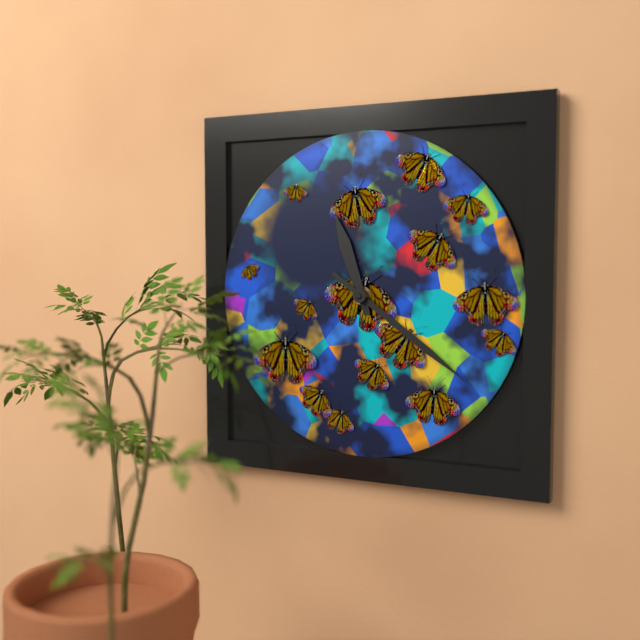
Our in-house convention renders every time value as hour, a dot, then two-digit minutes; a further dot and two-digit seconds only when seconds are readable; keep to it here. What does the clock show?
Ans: 11.21
